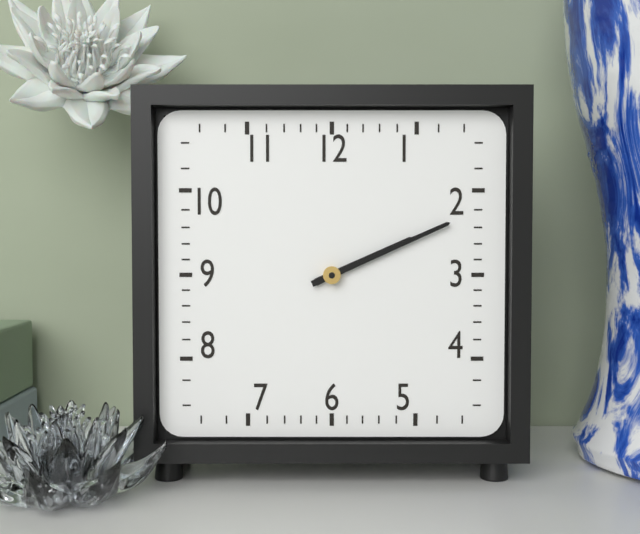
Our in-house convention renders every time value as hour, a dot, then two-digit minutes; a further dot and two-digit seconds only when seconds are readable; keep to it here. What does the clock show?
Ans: 2.11
